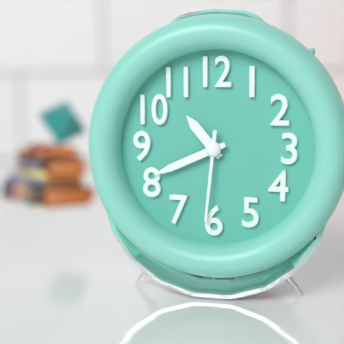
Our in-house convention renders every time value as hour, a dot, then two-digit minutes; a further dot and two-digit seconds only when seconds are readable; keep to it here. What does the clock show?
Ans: 10.41.31
